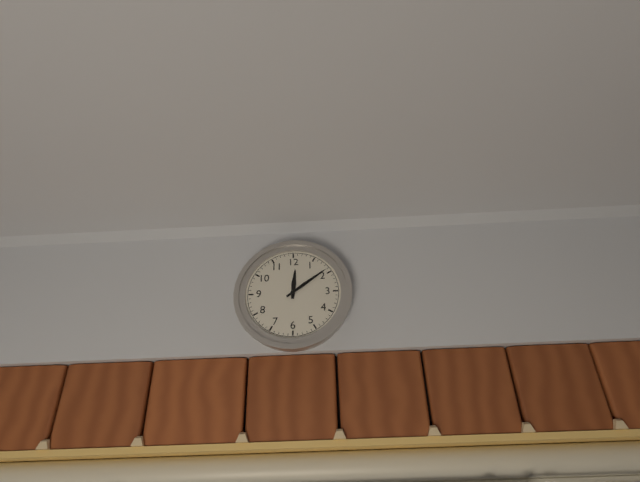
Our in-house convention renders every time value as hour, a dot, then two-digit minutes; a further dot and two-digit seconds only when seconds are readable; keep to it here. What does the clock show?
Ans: 12.09
